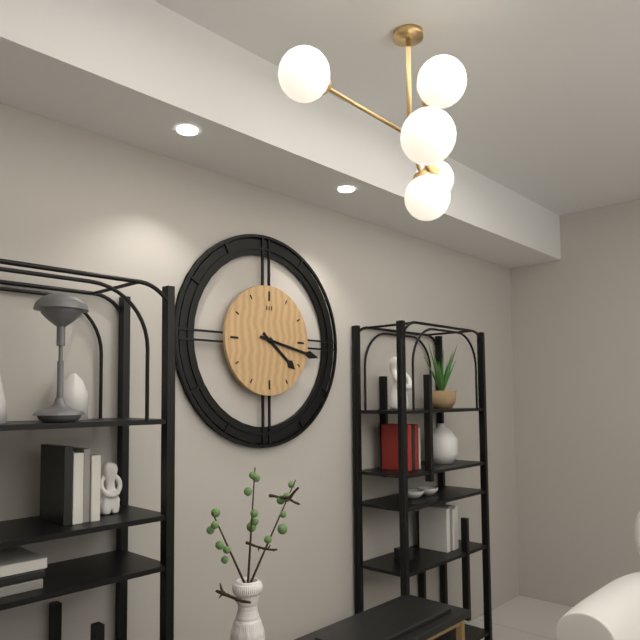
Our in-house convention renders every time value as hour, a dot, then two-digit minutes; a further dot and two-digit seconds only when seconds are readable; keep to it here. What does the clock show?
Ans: 4.17
